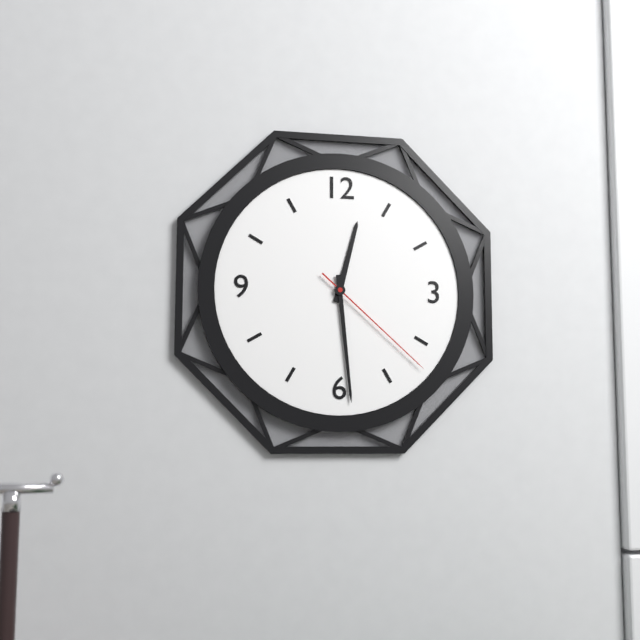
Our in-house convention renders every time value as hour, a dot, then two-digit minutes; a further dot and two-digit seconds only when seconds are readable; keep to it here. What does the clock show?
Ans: 12.29.22
